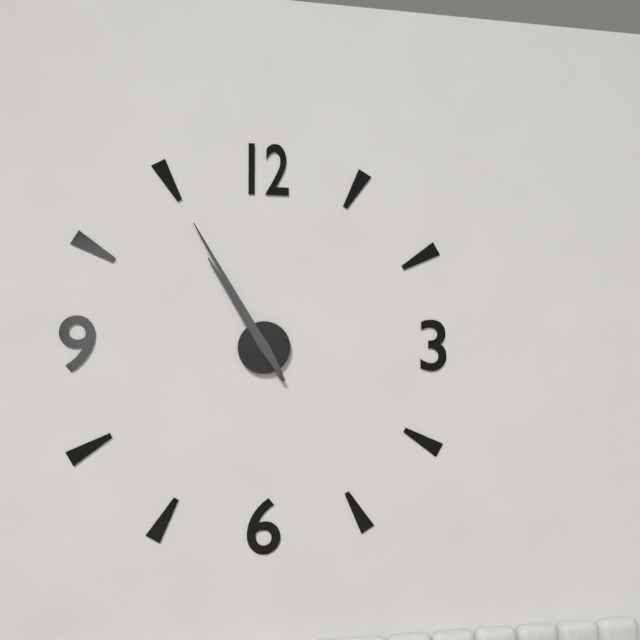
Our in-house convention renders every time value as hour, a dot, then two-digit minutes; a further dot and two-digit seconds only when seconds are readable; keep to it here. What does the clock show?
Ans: 10.55
